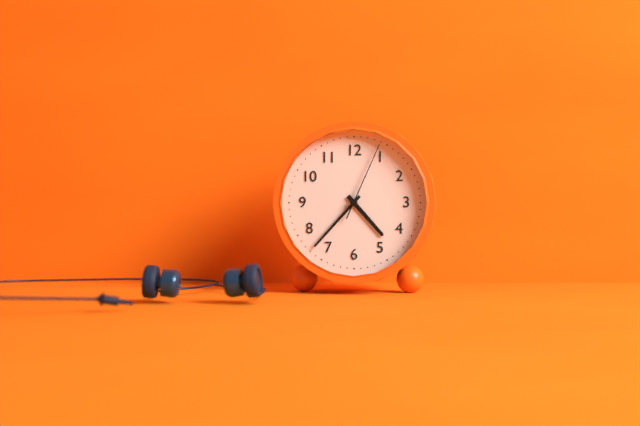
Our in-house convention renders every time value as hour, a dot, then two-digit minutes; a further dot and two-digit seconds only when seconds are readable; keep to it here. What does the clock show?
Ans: 4.37.04
